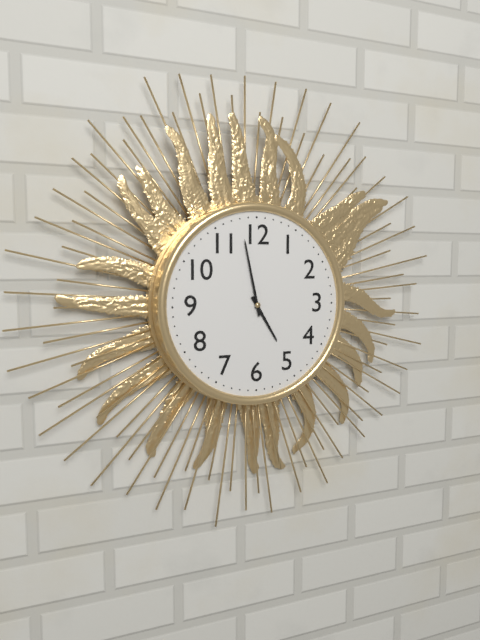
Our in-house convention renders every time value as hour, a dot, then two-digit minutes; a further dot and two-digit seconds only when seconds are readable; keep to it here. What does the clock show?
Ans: 4.58
